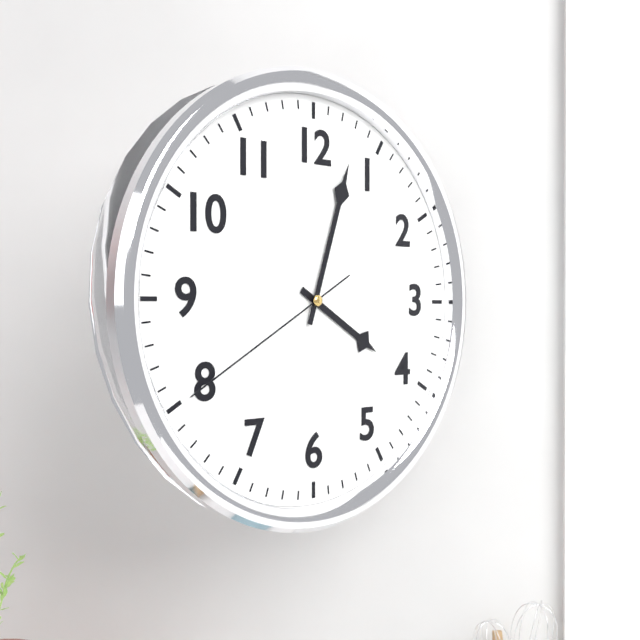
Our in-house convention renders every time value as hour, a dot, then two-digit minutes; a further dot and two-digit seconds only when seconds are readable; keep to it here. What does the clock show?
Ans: 4.03.40
